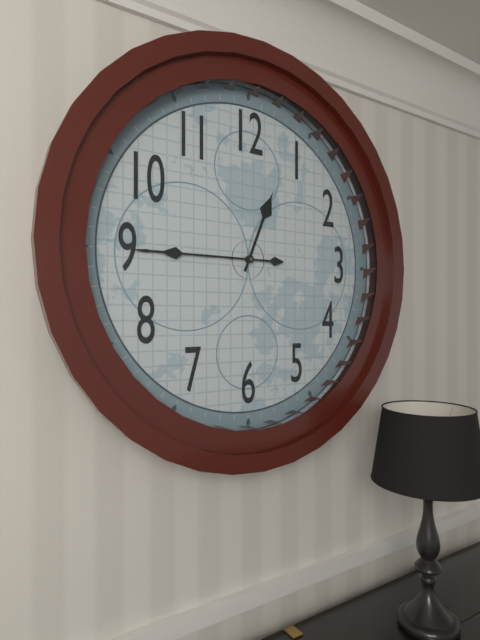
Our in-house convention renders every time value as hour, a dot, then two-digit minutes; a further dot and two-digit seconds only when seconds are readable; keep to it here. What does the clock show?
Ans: 12.45
